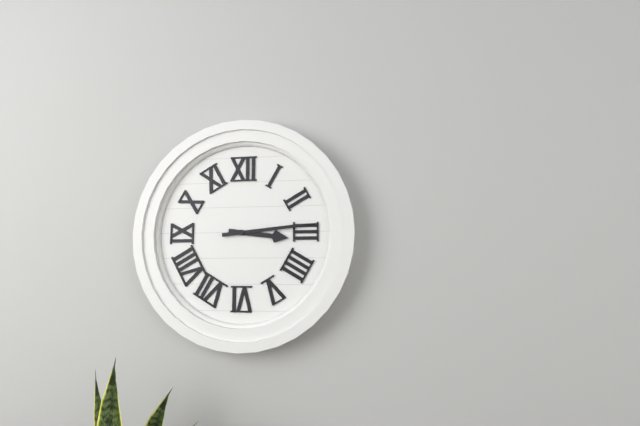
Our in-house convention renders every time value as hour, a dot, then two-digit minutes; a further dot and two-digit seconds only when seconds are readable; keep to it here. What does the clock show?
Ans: 3.14
